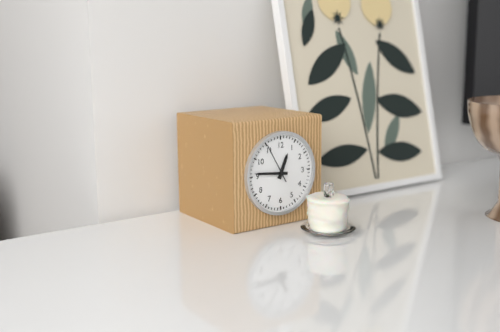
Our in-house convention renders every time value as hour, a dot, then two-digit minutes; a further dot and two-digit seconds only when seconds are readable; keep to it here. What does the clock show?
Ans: 12.46
